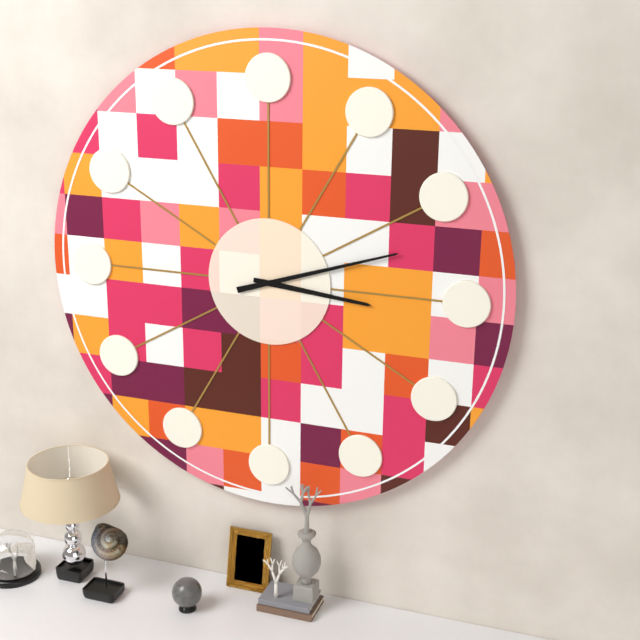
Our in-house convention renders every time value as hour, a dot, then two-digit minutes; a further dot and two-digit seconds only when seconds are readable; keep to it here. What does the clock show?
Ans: 3.12
